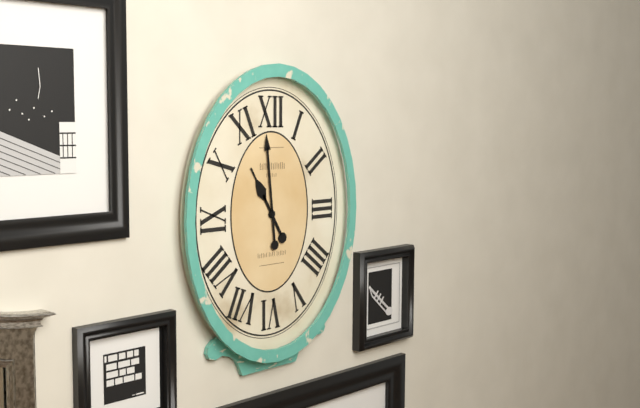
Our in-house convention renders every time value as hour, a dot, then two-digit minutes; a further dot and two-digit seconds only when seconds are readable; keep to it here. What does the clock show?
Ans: 10.59
